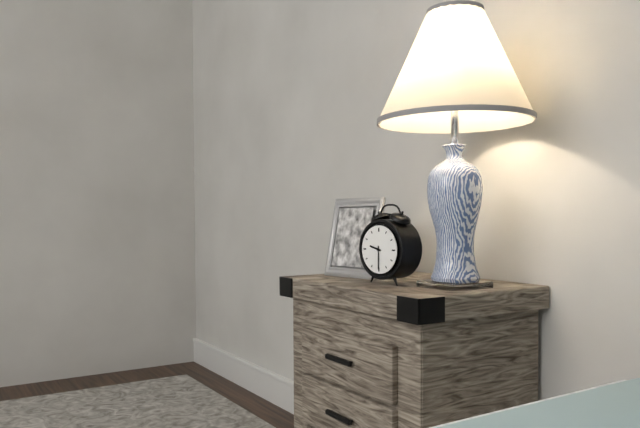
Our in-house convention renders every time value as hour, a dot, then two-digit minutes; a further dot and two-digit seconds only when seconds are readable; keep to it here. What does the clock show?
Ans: 9.30
